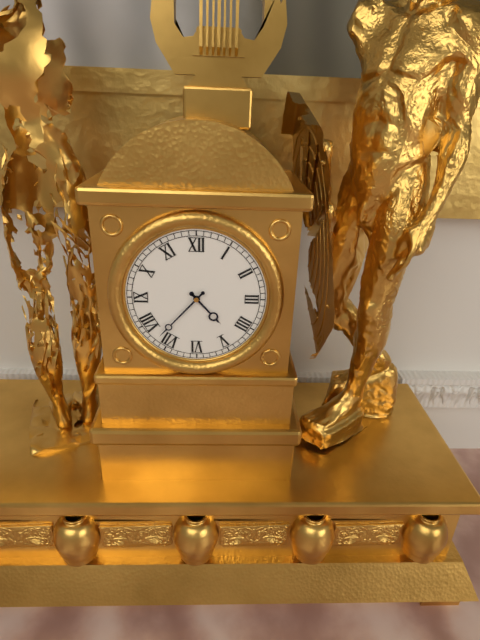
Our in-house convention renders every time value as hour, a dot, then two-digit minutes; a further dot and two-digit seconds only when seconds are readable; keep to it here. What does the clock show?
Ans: 4.37
